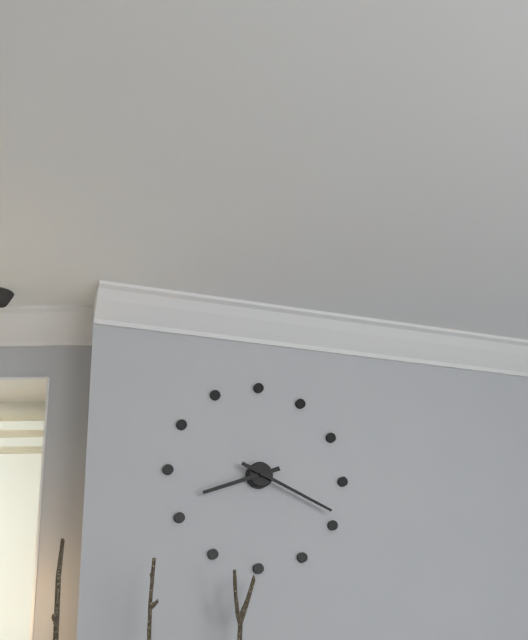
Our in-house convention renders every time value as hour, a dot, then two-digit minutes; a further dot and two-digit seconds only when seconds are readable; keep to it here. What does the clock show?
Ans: 8.19
